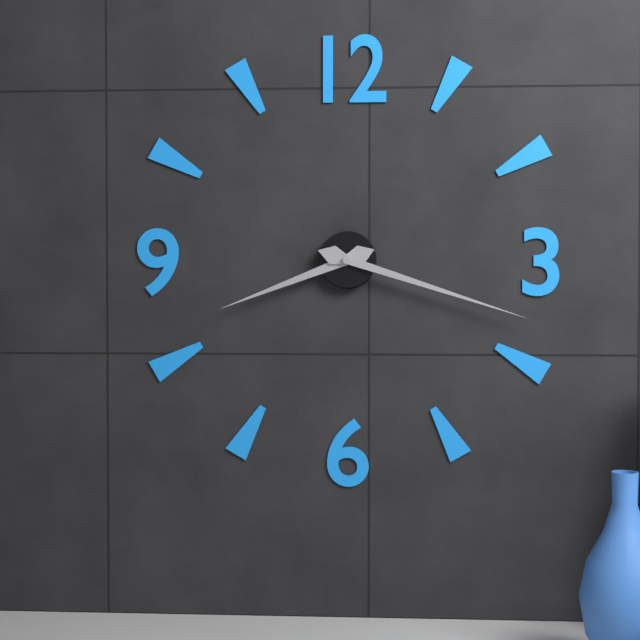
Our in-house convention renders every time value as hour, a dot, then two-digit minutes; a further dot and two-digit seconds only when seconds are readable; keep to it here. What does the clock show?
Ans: 8.18
